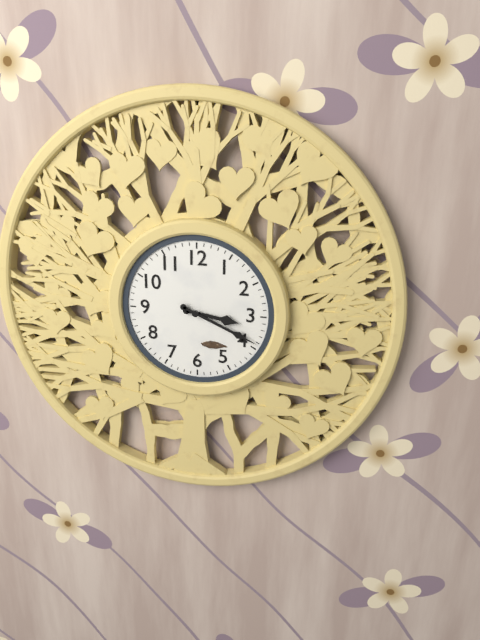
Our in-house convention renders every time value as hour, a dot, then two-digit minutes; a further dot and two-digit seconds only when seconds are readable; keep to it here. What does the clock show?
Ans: 3.19
